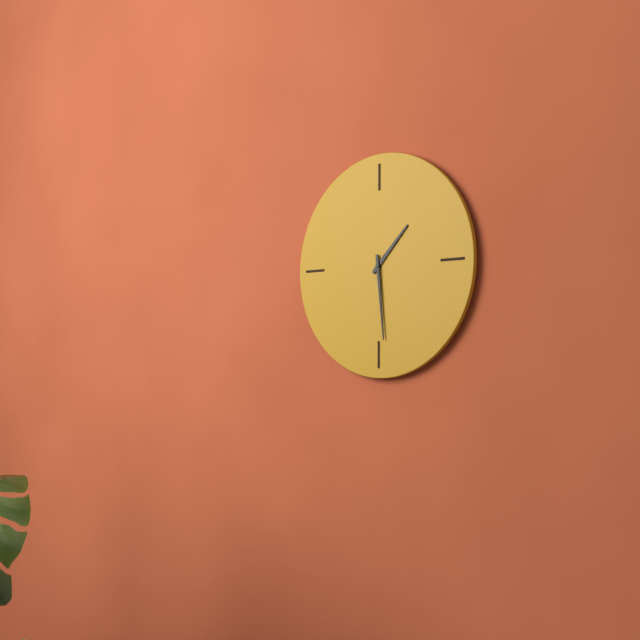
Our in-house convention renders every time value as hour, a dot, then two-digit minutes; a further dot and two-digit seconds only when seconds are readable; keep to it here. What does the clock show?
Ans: 1.29
